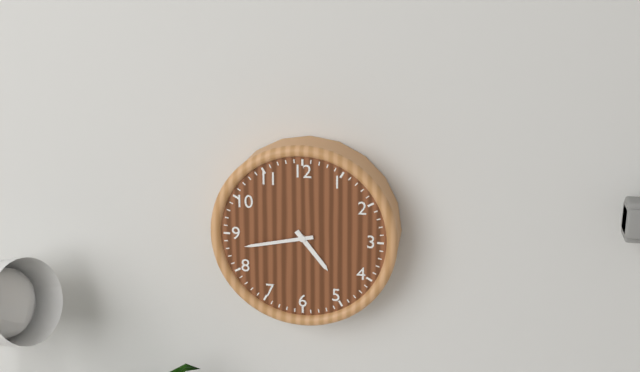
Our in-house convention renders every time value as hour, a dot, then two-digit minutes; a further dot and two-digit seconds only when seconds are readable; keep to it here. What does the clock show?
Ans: 4.43
